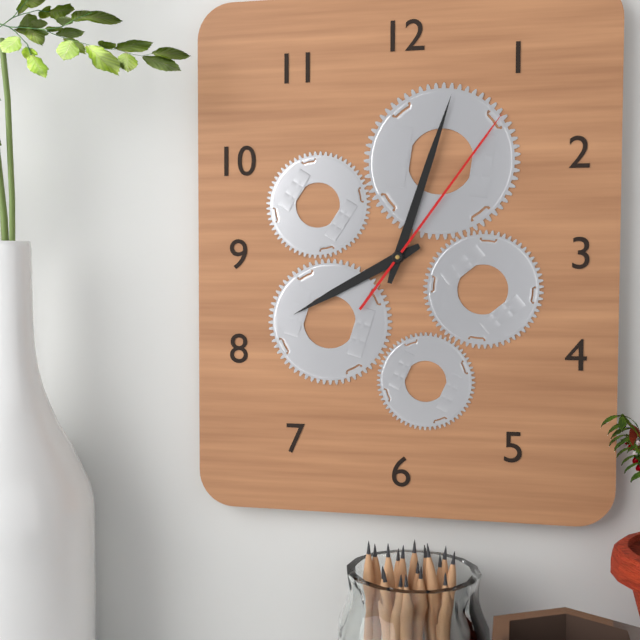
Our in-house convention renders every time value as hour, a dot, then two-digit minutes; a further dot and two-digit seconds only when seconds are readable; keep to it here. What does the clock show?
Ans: 8.03.06
